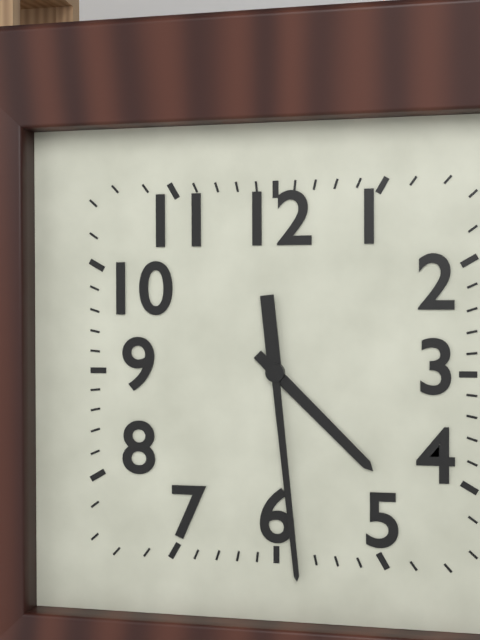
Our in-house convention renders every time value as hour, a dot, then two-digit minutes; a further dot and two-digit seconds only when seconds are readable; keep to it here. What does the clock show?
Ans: 4.29
